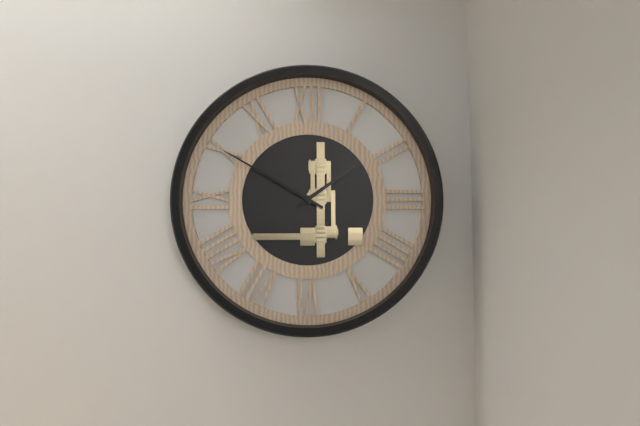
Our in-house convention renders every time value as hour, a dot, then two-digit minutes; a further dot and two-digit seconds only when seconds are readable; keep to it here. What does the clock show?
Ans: 1.50
